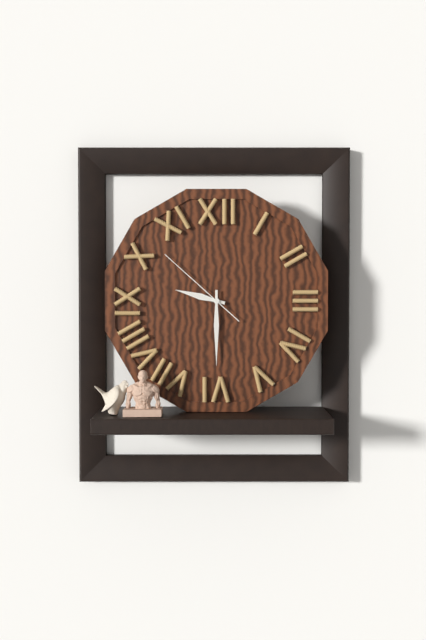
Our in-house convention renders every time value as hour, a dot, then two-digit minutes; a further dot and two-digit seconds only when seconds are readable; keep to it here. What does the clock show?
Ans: 9.30.52
